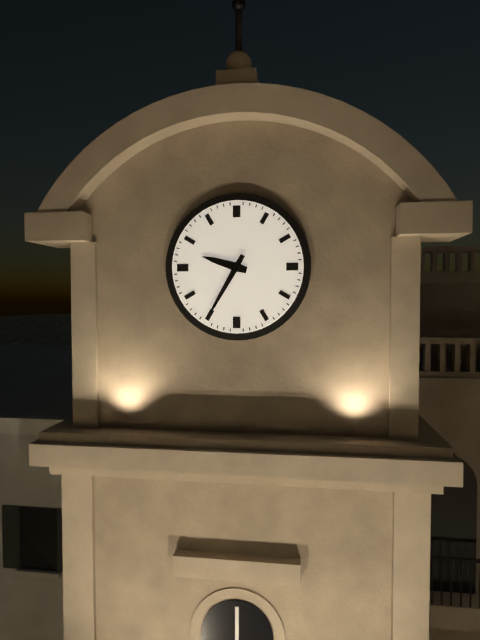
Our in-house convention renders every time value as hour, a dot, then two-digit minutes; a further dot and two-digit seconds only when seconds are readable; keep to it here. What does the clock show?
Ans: 9.35
